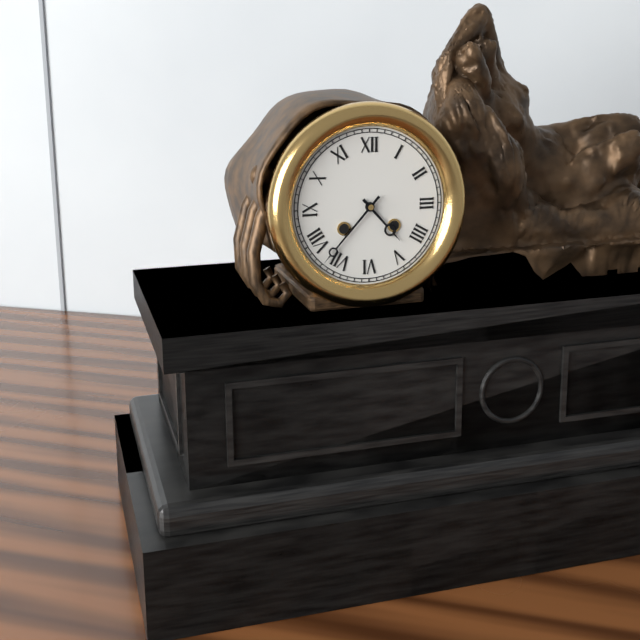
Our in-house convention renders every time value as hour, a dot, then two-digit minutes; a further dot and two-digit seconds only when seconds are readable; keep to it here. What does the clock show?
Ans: 4.37
